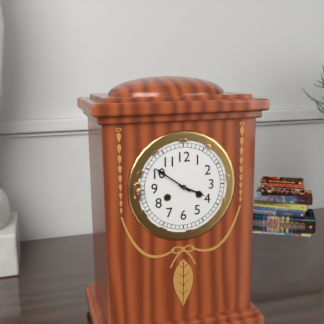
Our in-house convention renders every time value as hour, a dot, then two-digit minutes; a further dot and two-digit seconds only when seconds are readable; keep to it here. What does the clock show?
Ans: 3.51
